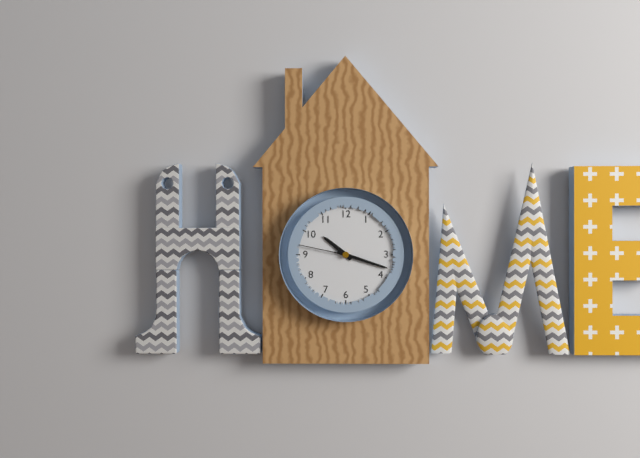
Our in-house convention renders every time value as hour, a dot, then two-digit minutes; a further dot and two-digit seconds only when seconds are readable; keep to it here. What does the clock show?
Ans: 10.18.47
